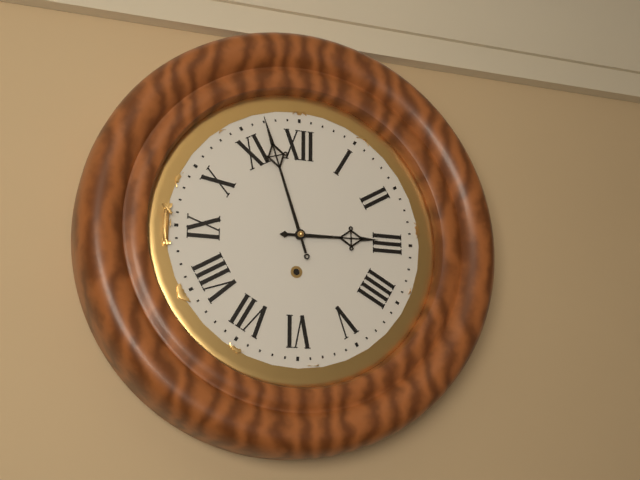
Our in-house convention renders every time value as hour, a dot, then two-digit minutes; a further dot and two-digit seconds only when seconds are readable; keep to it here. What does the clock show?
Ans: 2.57
